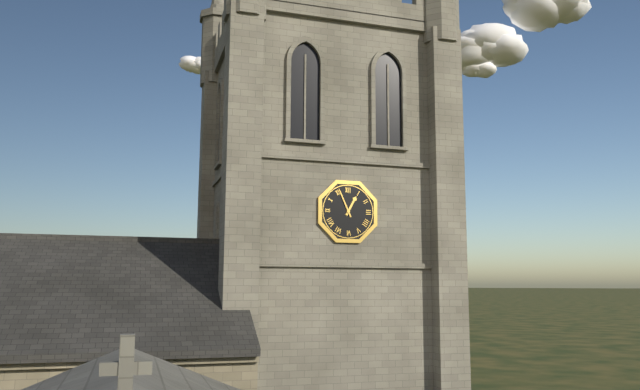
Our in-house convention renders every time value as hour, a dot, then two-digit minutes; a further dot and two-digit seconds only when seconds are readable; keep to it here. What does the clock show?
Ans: 12.56
